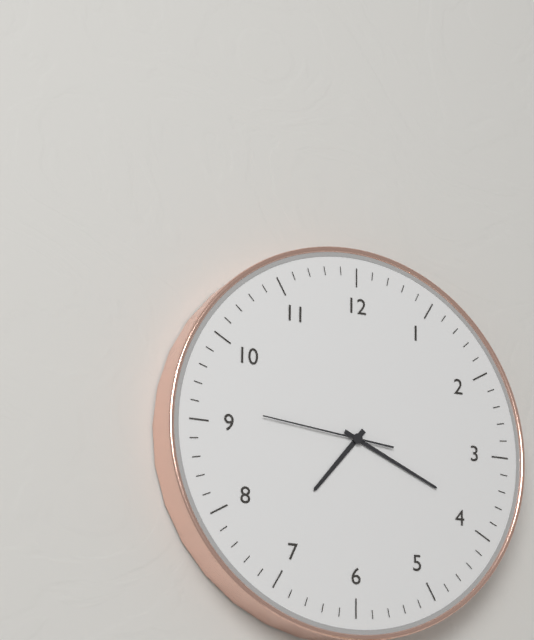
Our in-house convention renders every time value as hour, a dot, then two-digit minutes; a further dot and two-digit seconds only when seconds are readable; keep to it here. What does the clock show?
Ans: 7.19.46
